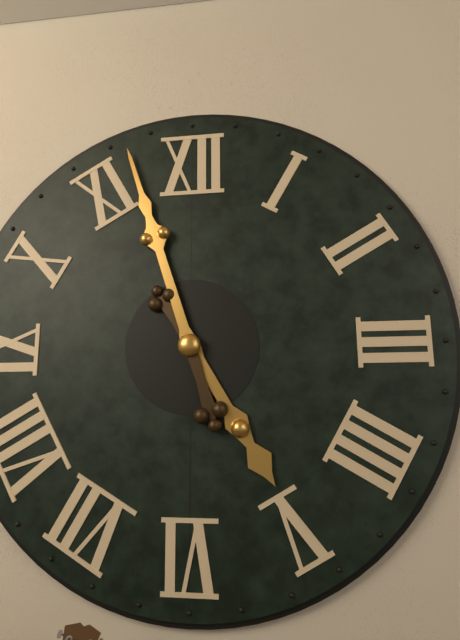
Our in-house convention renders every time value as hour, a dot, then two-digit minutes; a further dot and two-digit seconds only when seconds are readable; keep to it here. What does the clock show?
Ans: 4.57
